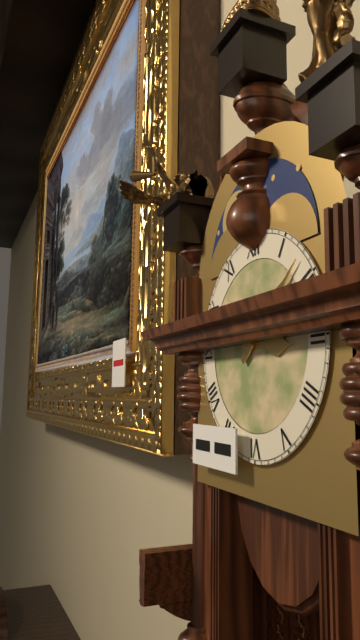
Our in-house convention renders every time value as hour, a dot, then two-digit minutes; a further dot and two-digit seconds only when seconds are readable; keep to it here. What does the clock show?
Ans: 3.08
